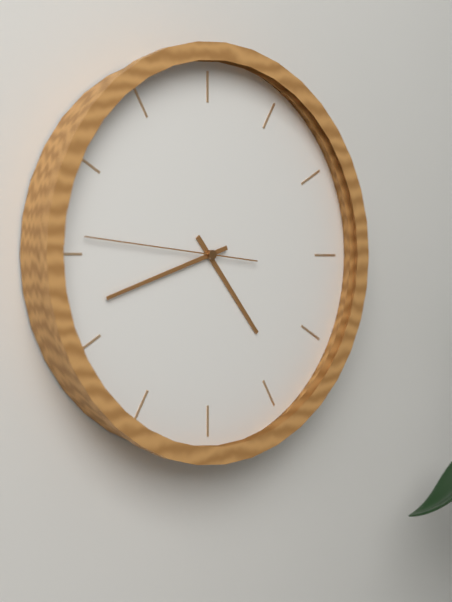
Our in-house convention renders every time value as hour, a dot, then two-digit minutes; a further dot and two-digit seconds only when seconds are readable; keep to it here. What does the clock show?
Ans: 4.42.46
